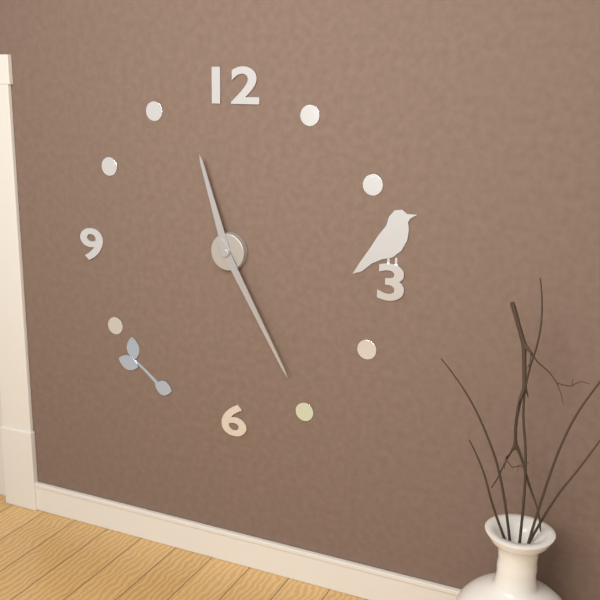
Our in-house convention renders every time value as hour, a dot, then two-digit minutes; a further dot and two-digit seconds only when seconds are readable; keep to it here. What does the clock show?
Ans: 11.25
